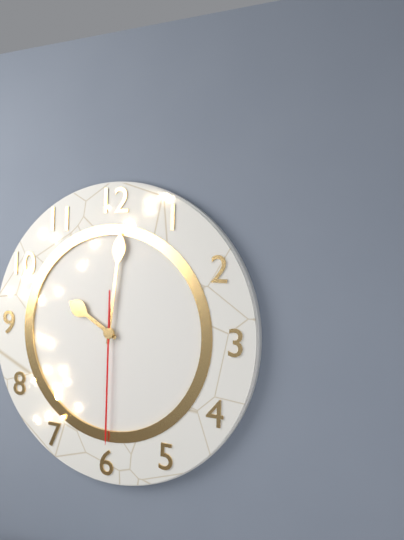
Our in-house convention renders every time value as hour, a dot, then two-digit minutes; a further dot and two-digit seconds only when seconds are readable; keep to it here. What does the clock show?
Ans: 10.01.30
